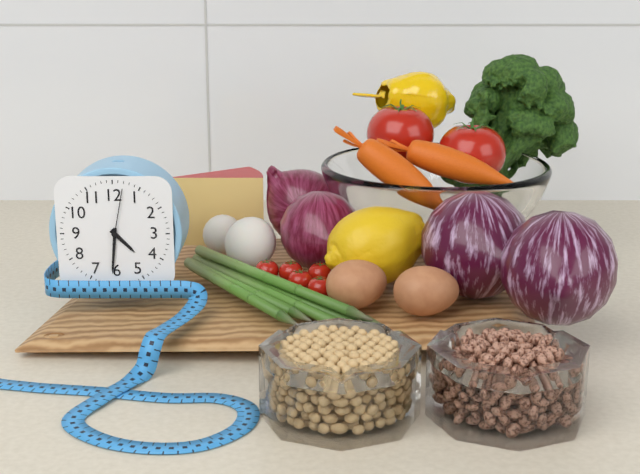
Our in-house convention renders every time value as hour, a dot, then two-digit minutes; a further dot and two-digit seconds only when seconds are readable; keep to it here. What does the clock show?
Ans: 4.31.02
